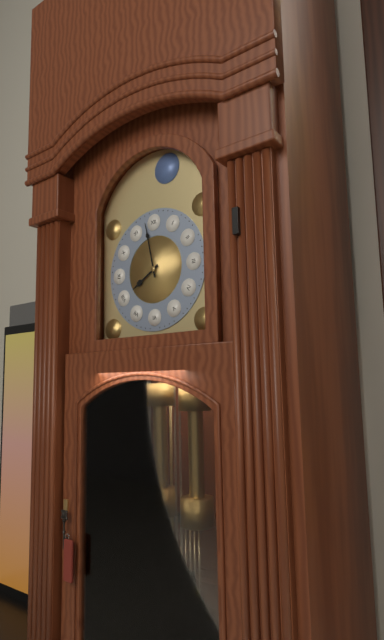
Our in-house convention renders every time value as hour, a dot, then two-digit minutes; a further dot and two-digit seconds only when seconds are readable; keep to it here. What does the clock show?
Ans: 7.58
